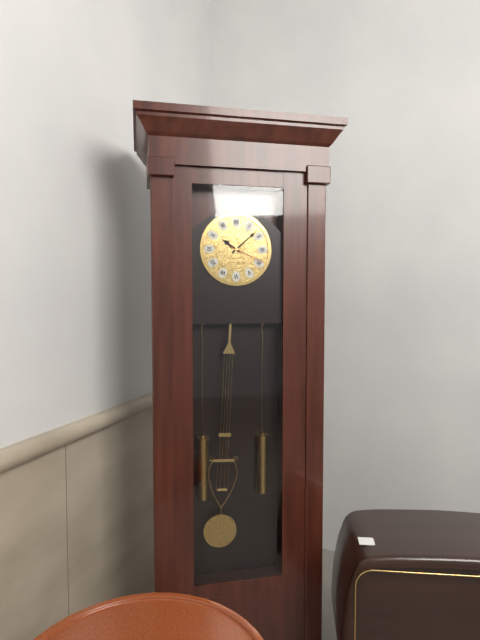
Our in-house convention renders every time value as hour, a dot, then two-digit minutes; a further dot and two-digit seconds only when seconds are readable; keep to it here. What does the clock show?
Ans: 10.08
